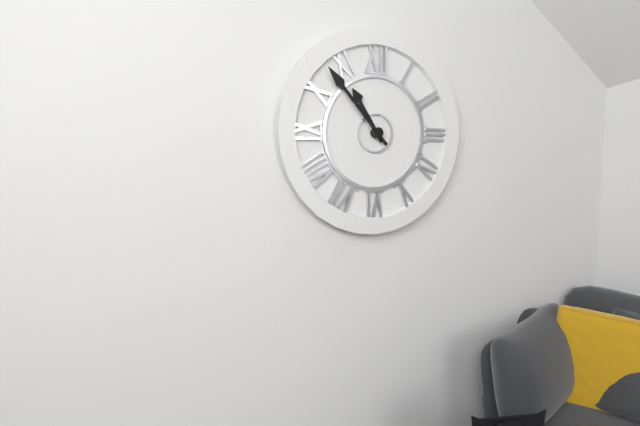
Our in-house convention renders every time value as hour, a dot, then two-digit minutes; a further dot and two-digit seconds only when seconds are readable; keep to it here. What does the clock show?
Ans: 10.53
